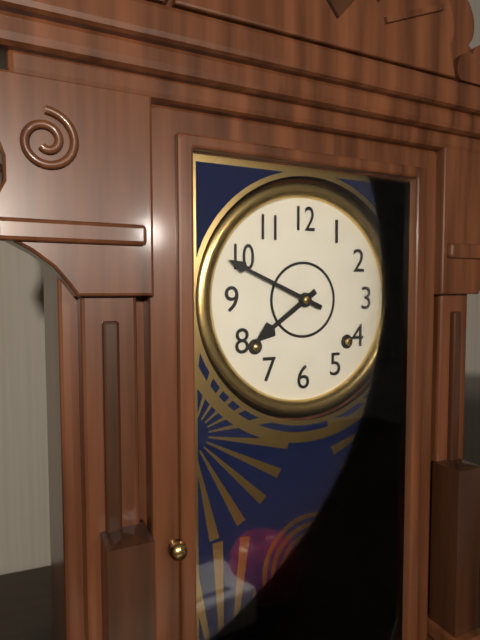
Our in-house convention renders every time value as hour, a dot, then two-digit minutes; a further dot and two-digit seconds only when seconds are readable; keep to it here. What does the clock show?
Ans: 7.49
